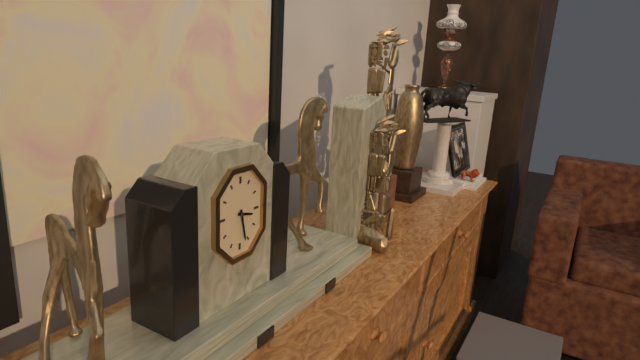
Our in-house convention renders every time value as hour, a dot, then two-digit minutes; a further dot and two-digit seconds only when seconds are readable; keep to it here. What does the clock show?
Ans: 3.28
